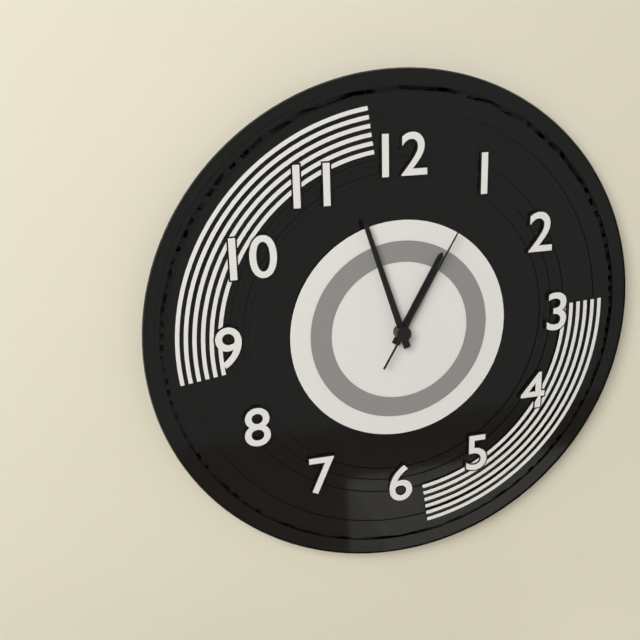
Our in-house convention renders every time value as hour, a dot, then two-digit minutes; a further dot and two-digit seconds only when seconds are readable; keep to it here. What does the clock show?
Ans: 12.57.05
